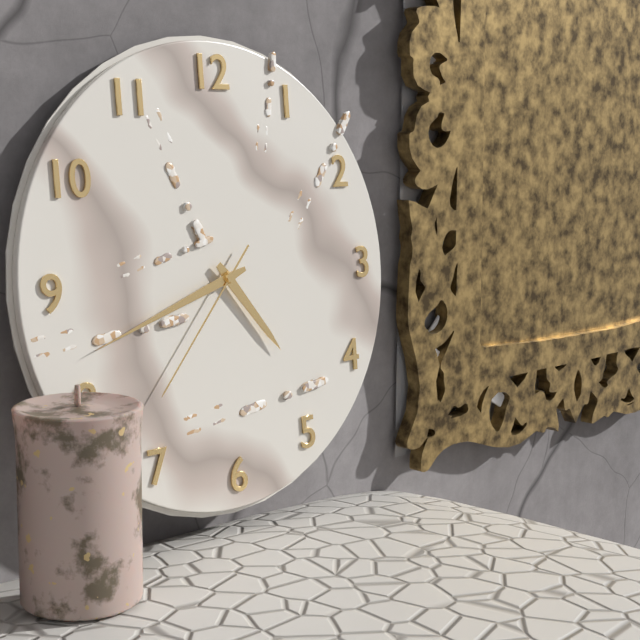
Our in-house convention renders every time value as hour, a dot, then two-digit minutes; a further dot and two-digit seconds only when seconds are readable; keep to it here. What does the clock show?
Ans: 4.42.37
